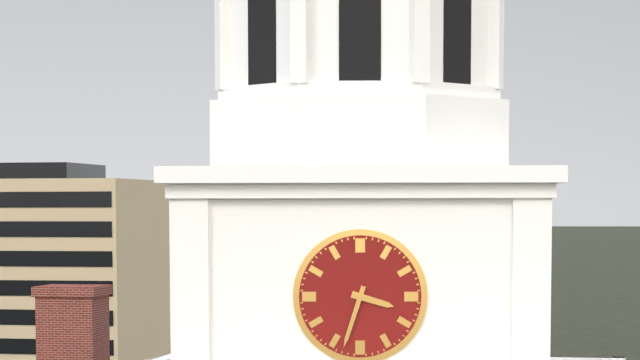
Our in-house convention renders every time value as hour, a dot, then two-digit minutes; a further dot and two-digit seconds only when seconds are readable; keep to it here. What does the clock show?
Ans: 3.33
